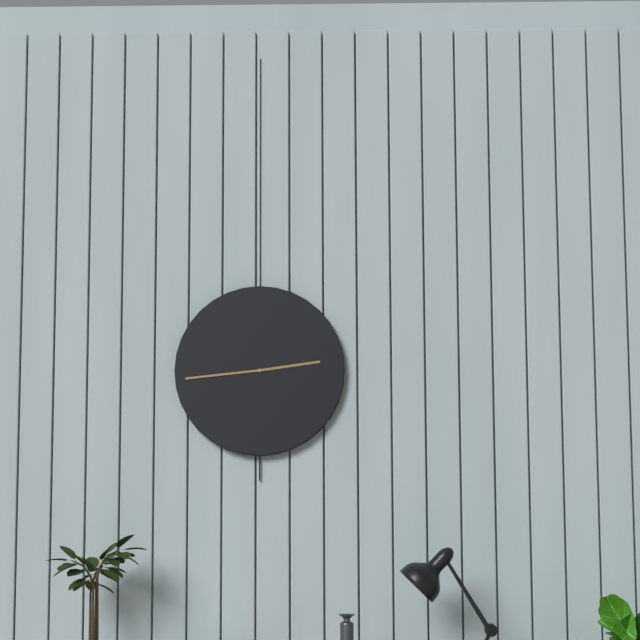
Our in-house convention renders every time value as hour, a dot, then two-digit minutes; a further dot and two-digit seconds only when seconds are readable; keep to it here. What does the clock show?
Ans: 2.44
